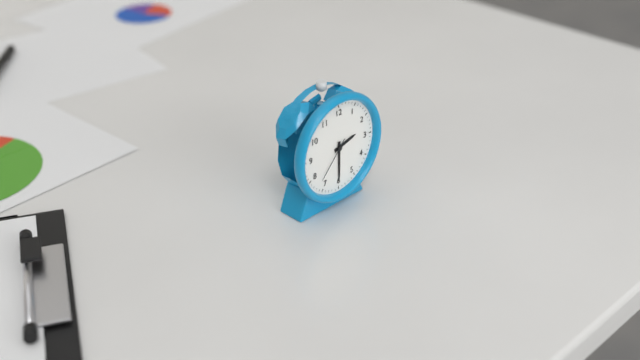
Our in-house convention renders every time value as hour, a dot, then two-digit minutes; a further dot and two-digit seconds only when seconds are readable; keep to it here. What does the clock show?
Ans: 2.30
